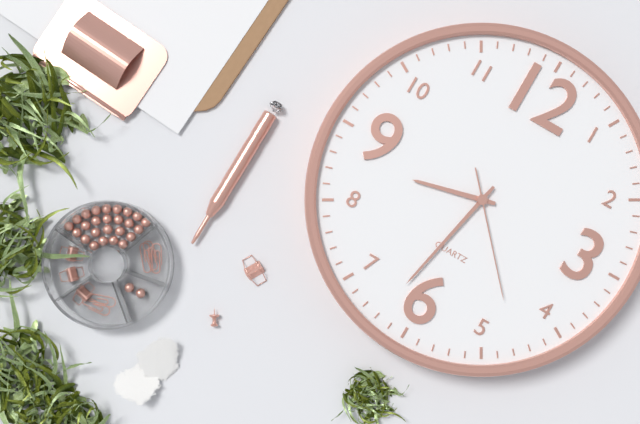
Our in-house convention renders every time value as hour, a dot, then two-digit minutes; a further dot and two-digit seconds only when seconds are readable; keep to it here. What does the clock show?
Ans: 8.32.23
